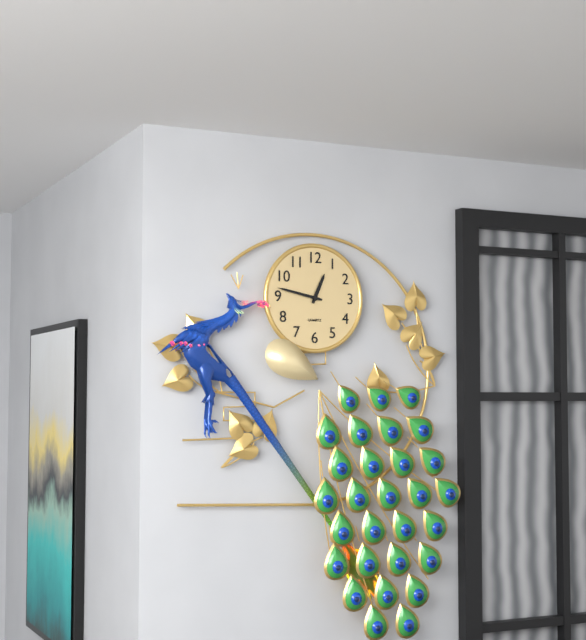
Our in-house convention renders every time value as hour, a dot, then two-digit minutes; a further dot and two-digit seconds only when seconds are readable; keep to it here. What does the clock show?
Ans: 12.47
